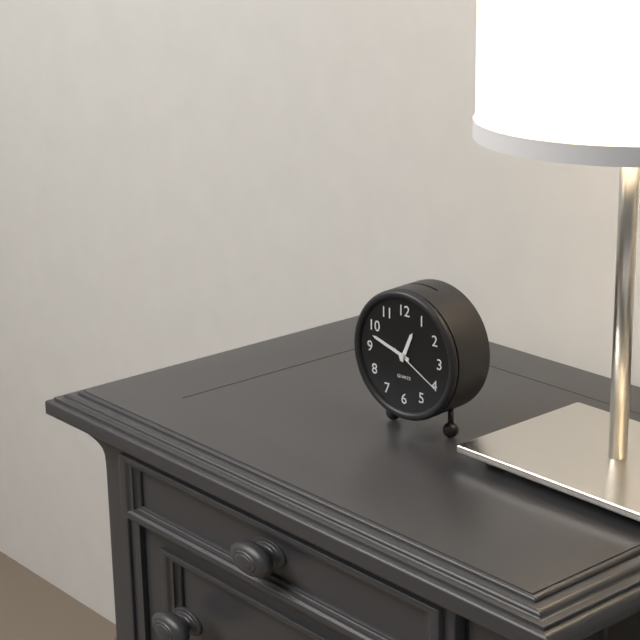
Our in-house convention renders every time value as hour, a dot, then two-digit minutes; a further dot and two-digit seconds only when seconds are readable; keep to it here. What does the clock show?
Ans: 12.48.20
